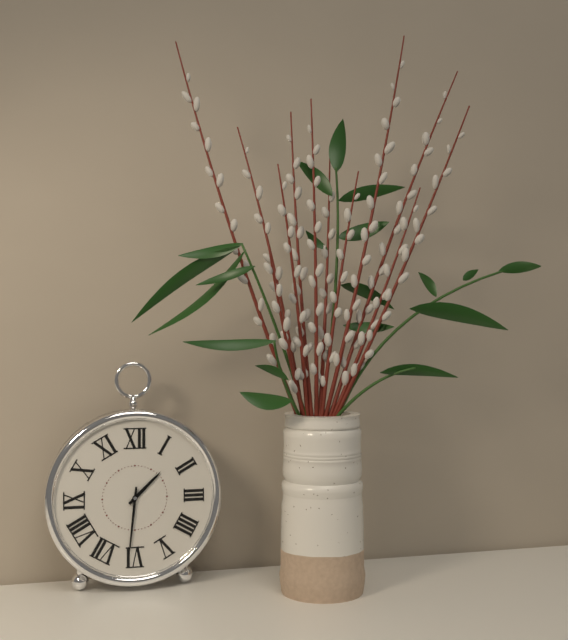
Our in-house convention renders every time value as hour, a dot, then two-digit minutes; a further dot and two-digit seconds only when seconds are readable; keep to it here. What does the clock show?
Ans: 1.31
